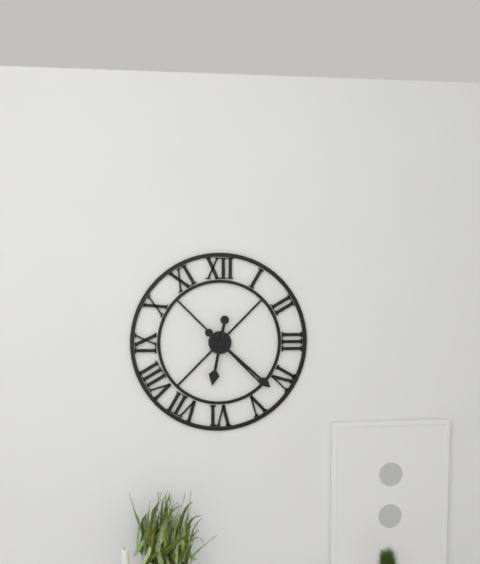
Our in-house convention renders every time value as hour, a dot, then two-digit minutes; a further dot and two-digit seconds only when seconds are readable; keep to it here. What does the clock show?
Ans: 6.22
